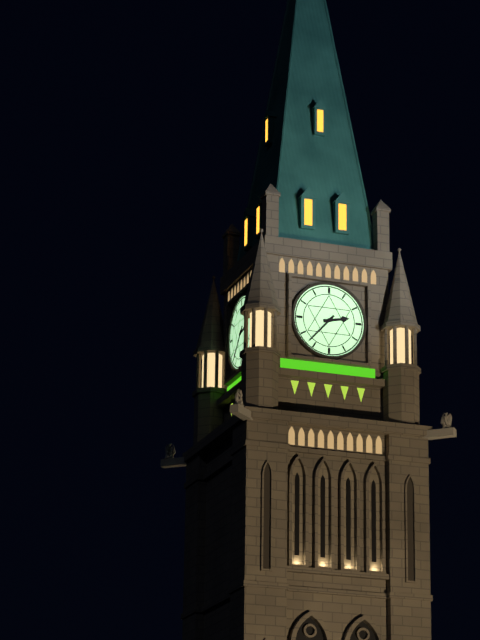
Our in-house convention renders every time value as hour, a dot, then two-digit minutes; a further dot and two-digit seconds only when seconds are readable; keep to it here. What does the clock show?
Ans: 2.37
